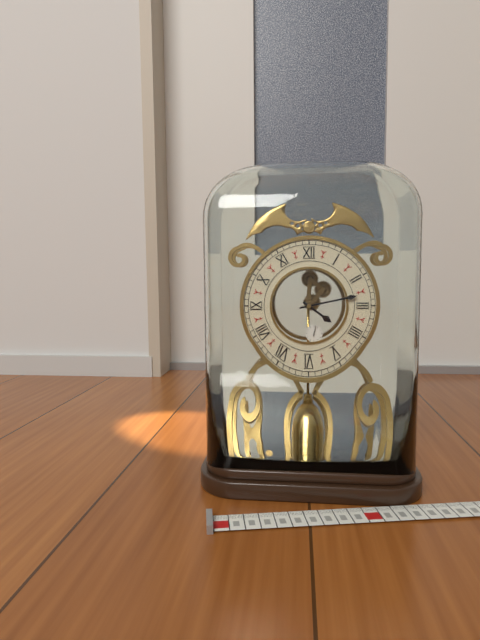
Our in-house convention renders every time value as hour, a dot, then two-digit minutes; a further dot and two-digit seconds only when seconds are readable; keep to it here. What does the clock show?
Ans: 4.13
